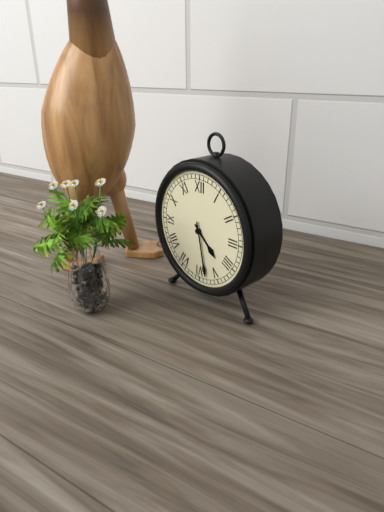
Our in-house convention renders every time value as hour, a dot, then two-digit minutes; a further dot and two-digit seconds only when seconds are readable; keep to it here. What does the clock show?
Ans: 4.28
